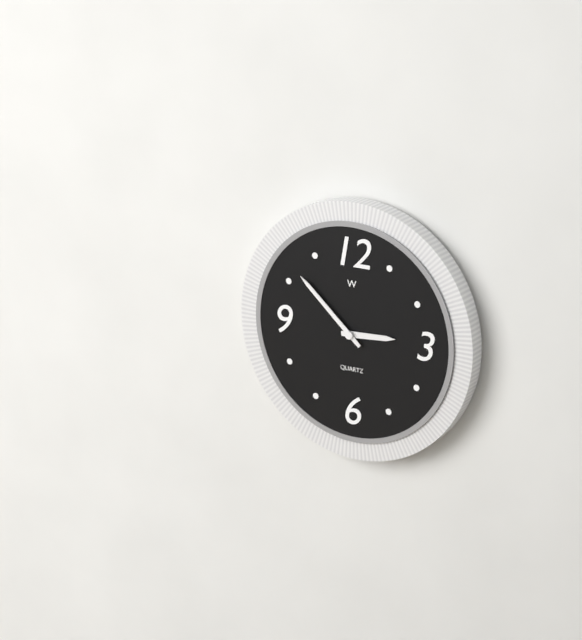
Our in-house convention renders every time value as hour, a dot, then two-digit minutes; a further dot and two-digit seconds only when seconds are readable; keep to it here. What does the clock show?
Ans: 2.52
